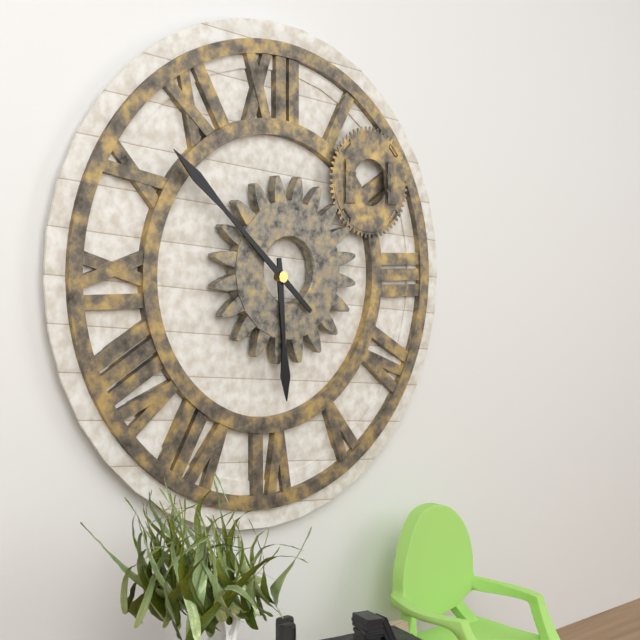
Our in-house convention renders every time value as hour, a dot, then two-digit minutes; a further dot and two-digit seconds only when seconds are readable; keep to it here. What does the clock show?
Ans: 5.52
